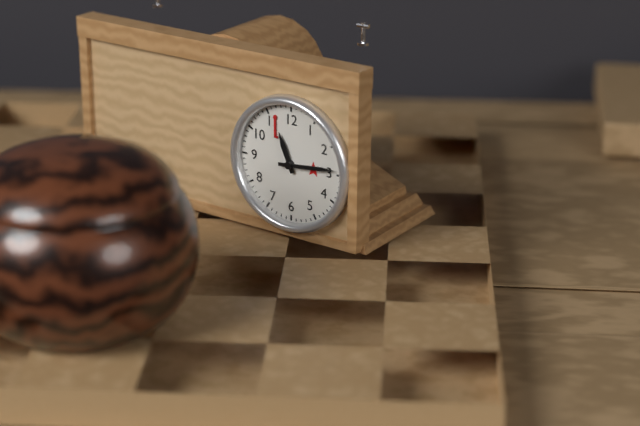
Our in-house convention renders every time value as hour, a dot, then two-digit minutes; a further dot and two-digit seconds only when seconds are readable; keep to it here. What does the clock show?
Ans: 11.14
